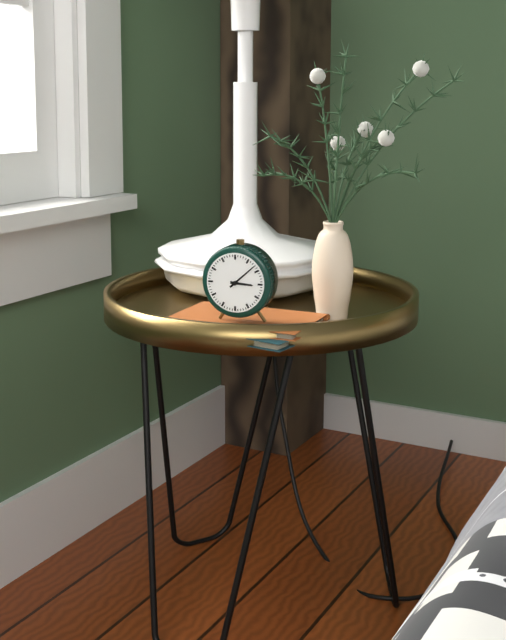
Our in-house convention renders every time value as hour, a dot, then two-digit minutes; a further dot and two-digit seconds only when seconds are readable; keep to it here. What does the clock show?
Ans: 3.08
